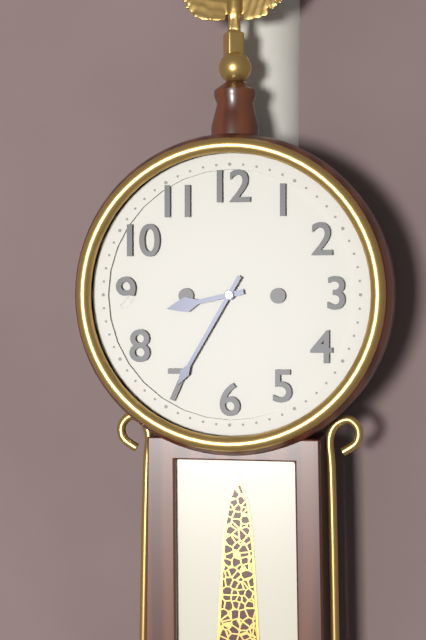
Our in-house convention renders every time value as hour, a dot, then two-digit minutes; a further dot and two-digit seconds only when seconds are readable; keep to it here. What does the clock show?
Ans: 8.35
